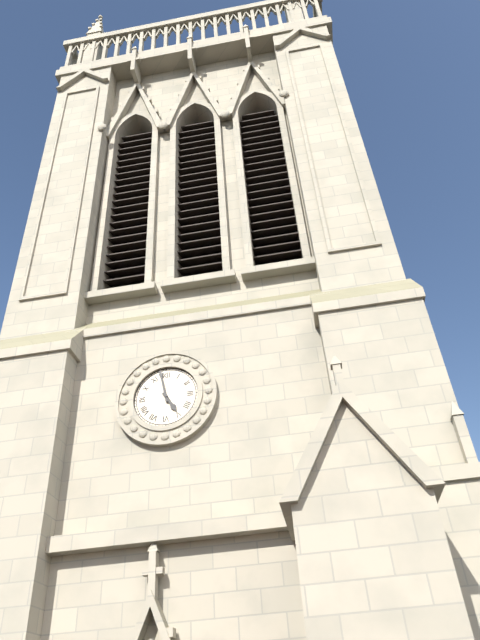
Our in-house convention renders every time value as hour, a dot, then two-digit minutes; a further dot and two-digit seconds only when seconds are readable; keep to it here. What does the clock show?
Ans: 4.58
